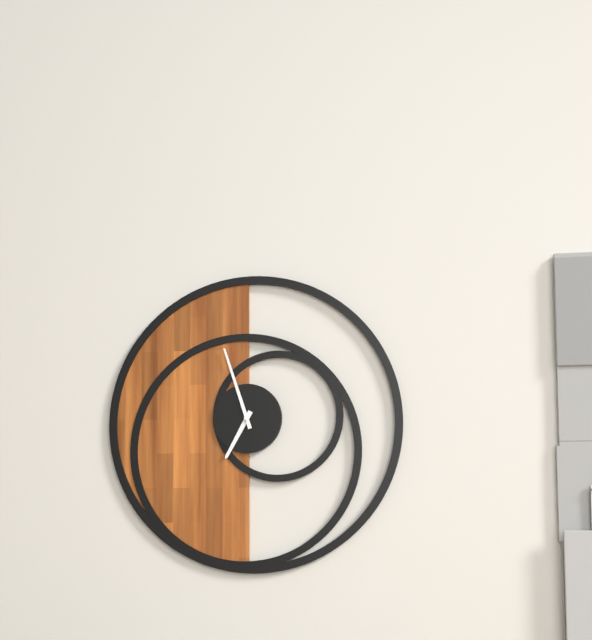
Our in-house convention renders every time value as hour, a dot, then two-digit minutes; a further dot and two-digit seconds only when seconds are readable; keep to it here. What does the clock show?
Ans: 6.57
